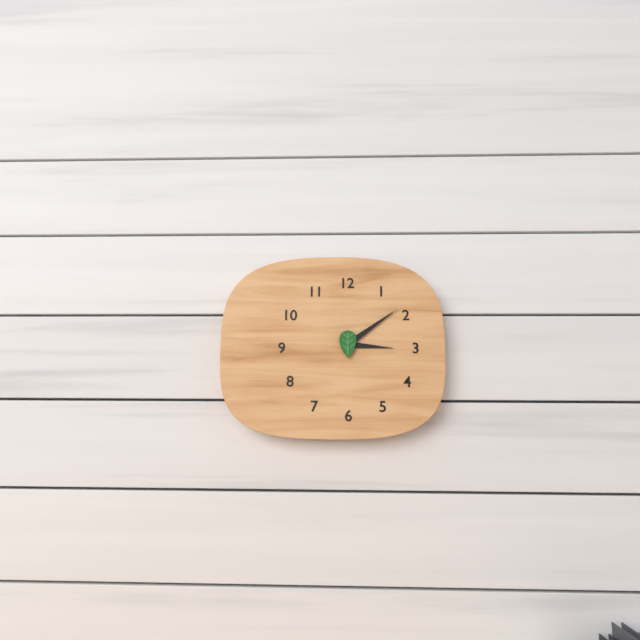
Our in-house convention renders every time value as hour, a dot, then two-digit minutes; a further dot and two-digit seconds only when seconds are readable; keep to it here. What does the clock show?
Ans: 3.09
